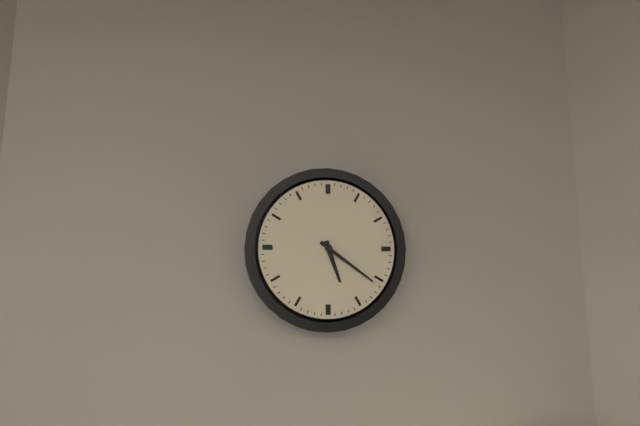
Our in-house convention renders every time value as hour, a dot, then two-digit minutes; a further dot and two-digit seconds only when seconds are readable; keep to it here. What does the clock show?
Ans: 5.21
